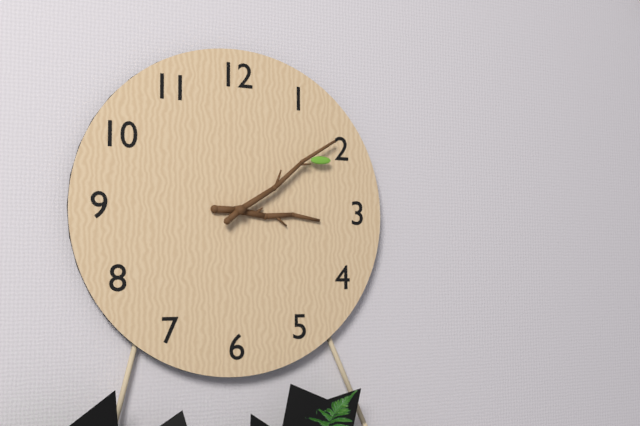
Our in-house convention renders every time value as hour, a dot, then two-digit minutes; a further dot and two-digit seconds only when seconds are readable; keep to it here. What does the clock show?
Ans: 3.09
